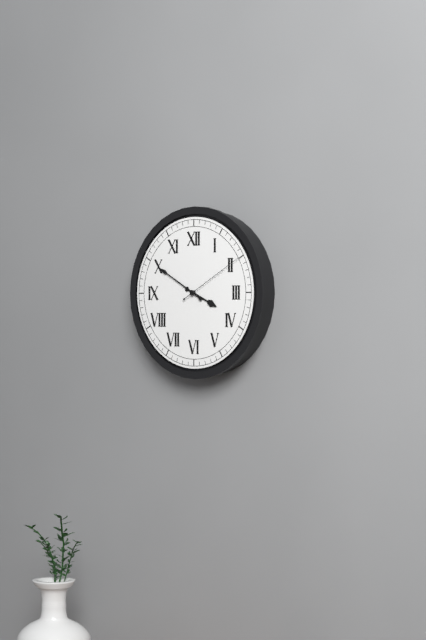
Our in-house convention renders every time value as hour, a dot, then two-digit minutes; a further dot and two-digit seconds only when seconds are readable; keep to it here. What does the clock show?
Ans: 3.50.10
